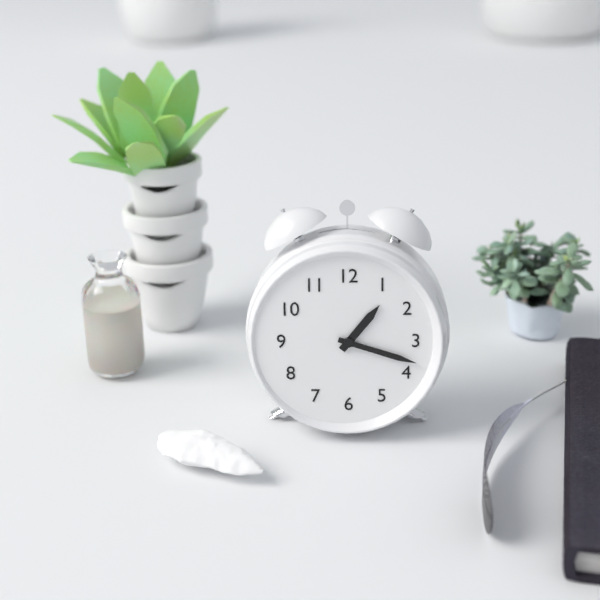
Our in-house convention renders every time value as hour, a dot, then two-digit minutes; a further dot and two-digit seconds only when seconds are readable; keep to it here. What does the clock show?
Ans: 1.18
